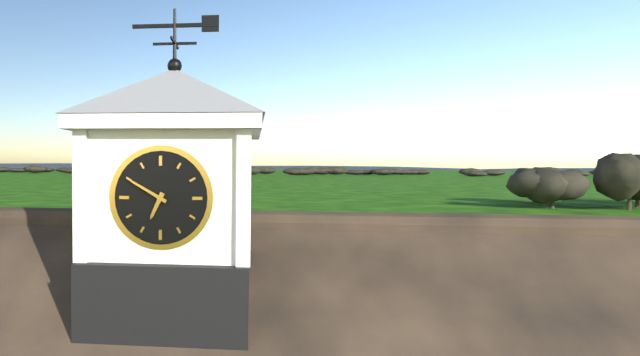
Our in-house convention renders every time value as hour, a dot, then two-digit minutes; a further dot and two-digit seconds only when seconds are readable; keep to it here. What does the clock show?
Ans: 6.50
